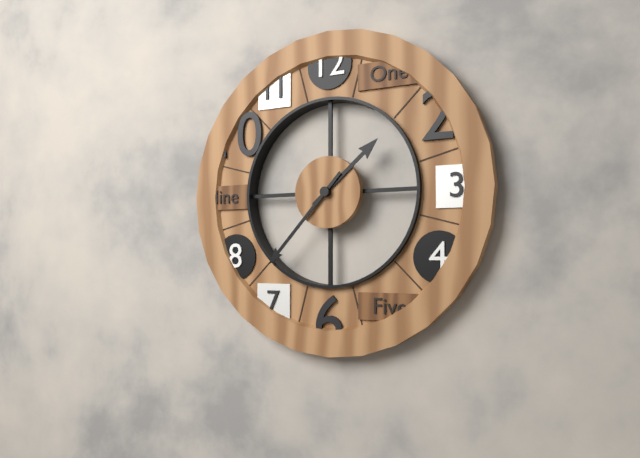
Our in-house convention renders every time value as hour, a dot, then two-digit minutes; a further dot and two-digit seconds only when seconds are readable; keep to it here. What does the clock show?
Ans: 1.37
